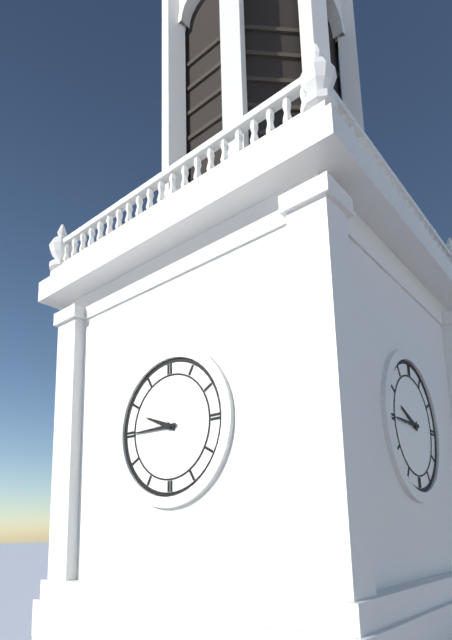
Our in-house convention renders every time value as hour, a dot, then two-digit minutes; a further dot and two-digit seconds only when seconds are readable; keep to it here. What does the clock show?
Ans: 9.45
